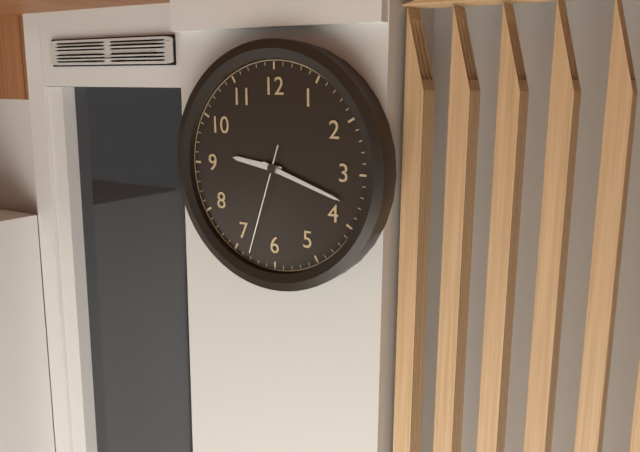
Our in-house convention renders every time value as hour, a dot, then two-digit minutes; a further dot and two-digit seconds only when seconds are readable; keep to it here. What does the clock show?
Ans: 9.18.33
